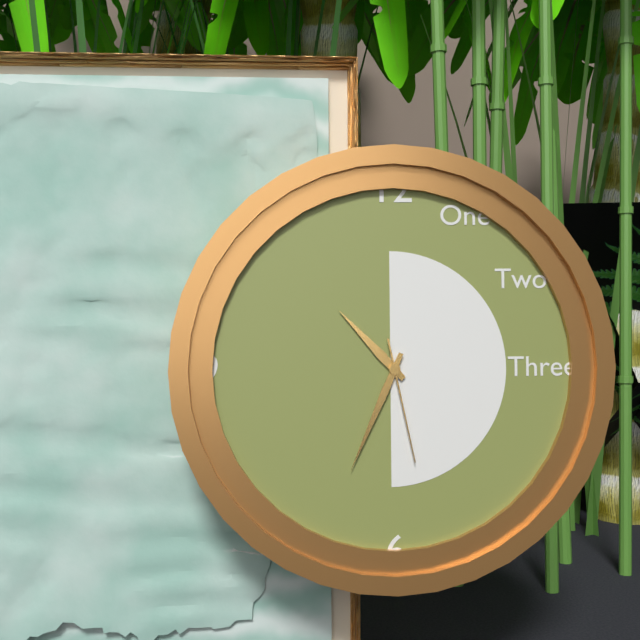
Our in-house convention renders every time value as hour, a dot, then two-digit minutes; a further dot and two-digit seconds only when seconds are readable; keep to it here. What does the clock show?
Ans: 10.34.28
